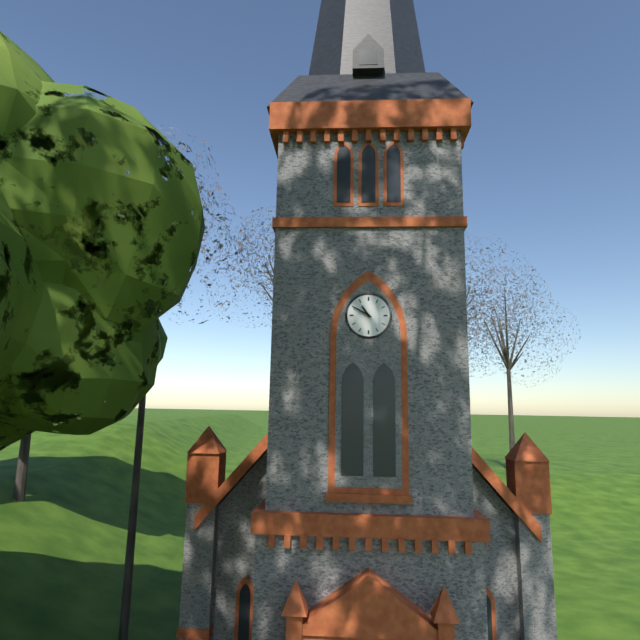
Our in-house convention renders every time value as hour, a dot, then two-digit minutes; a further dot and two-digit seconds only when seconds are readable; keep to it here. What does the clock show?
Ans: 10.50
